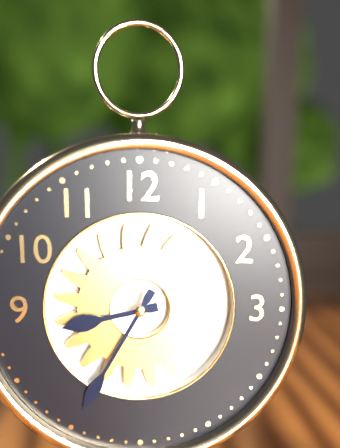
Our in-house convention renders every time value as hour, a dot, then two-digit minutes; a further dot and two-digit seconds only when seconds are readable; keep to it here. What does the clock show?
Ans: 8.35
